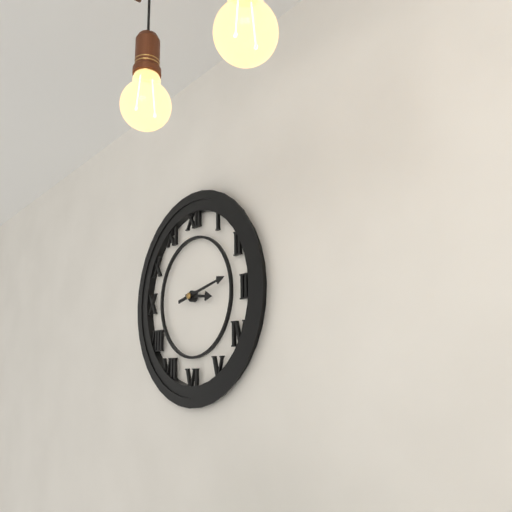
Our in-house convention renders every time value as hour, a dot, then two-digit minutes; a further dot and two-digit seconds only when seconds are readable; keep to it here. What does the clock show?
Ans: 3.13
